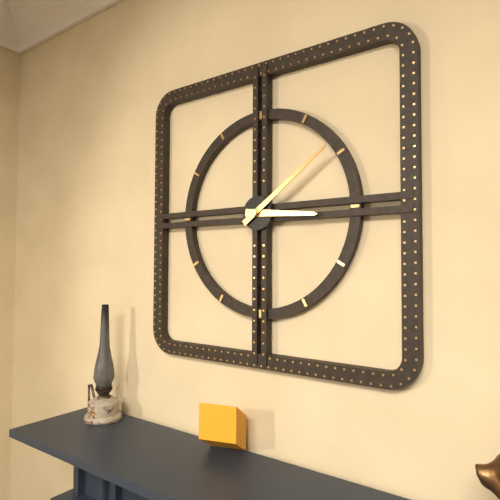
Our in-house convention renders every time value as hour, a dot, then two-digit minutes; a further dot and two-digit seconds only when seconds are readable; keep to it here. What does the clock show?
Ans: 3.09
